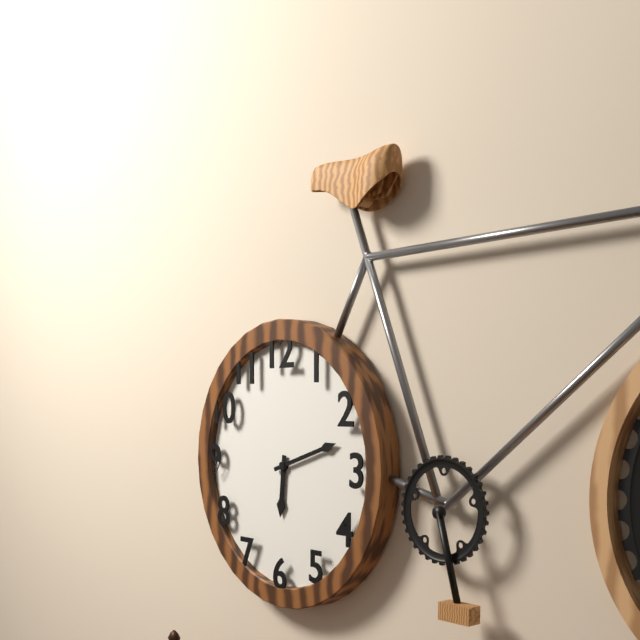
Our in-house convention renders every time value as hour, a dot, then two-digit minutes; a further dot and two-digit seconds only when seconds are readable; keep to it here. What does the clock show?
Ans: 6.12
